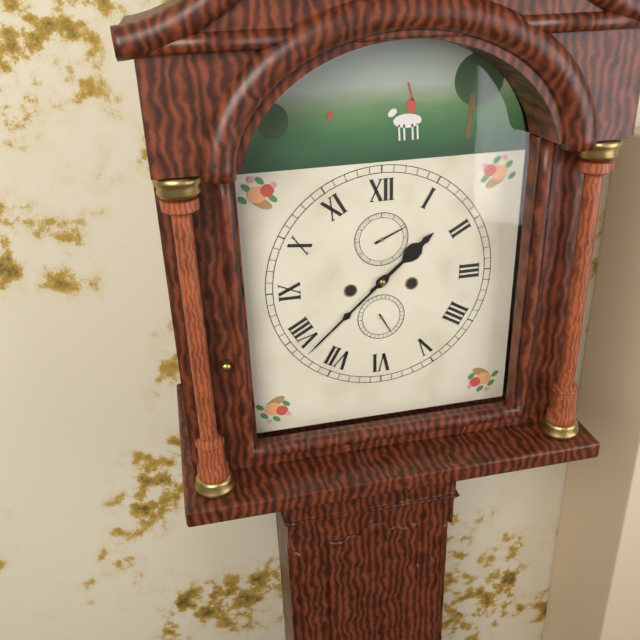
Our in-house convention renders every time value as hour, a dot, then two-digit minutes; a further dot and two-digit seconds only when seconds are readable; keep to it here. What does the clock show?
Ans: 1.38
